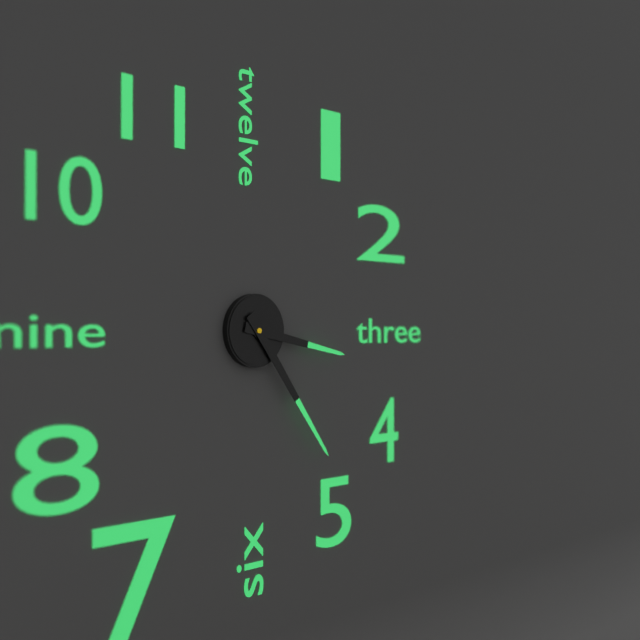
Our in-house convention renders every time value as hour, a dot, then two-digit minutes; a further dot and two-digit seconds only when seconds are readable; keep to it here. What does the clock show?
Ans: 3.24
